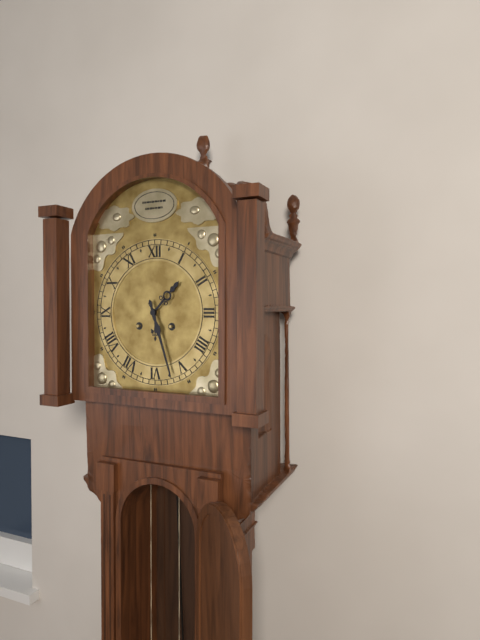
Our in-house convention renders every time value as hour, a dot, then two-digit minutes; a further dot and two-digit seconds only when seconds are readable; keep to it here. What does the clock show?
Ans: 1.27
